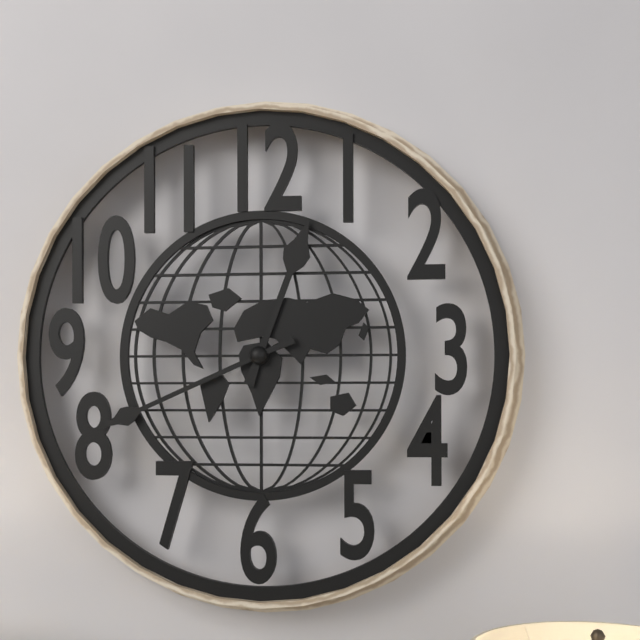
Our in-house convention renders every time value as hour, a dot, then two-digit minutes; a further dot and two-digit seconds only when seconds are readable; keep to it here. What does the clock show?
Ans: 12.41
